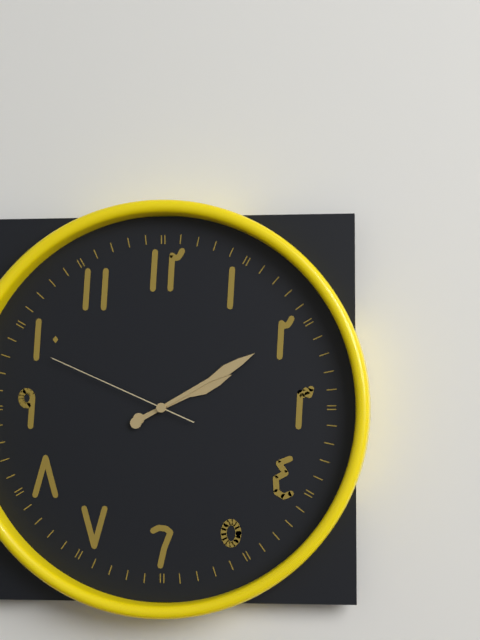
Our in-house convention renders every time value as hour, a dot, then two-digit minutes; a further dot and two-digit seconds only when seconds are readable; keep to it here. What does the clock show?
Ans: 2.10.49
